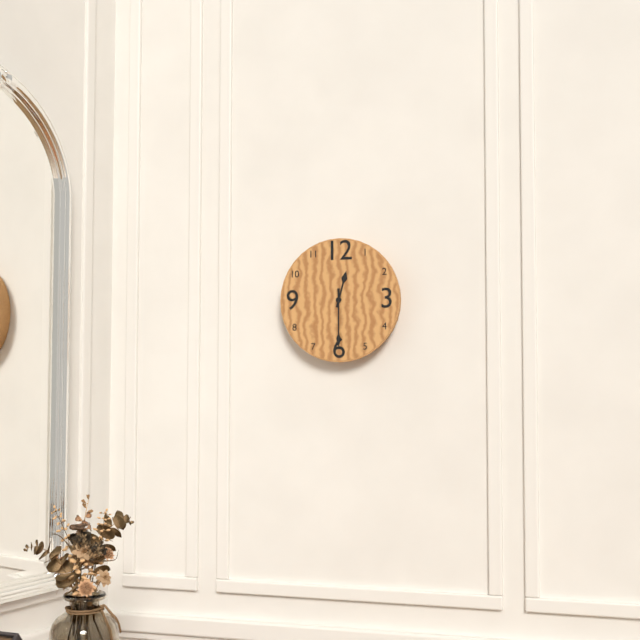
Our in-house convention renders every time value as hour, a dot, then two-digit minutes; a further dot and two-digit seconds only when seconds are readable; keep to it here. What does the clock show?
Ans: 12.30
